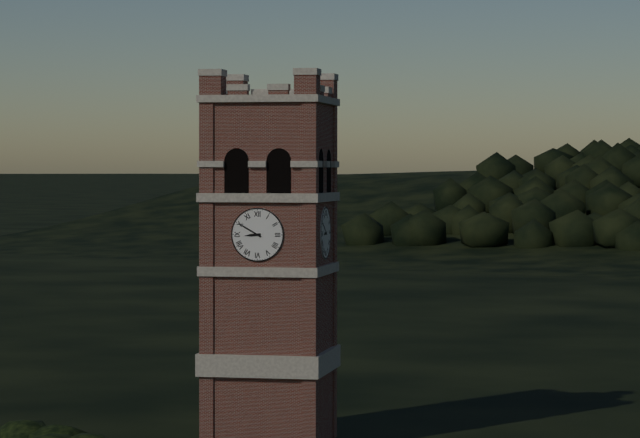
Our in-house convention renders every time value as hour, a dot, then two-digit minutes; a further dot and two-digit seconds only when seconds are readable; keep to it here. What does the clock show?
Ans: 8.50
